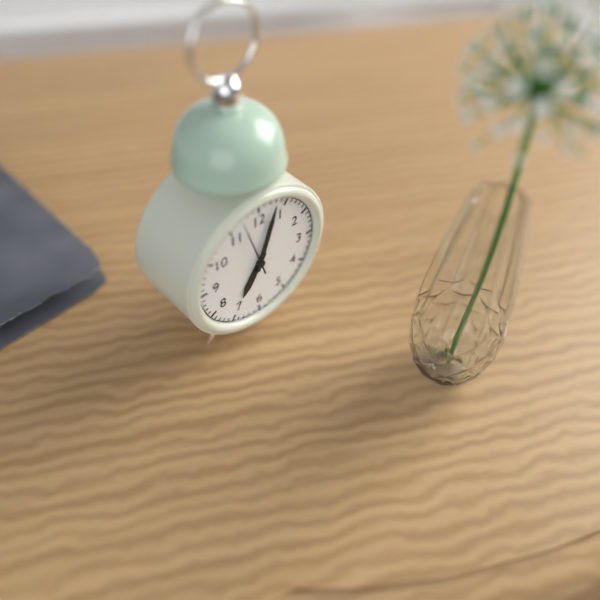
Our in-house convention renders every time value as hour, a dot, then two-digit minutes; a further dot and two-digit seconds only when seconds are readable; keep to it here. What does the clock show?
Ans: 7.03.57
